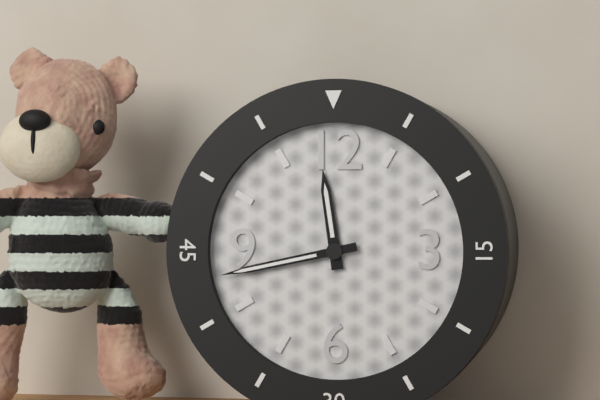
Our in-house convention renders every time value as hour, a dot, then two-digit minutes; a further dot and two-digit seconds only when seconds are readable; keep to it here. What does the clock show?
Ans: 11.43
